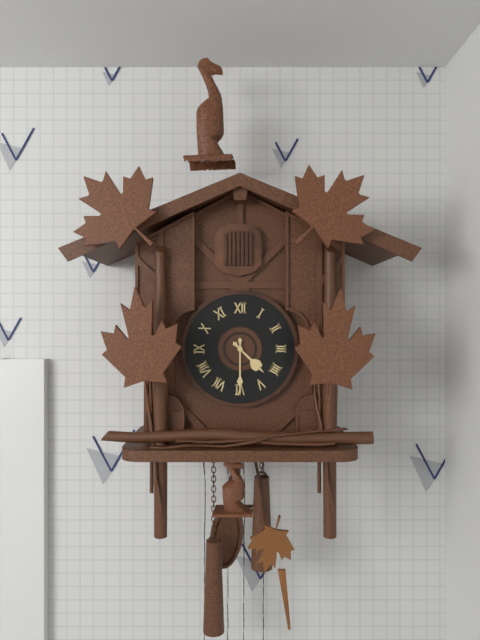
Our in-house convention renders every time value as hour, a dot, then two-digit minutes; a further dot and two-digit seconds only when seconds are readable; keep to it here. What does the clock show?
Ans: 4.30
